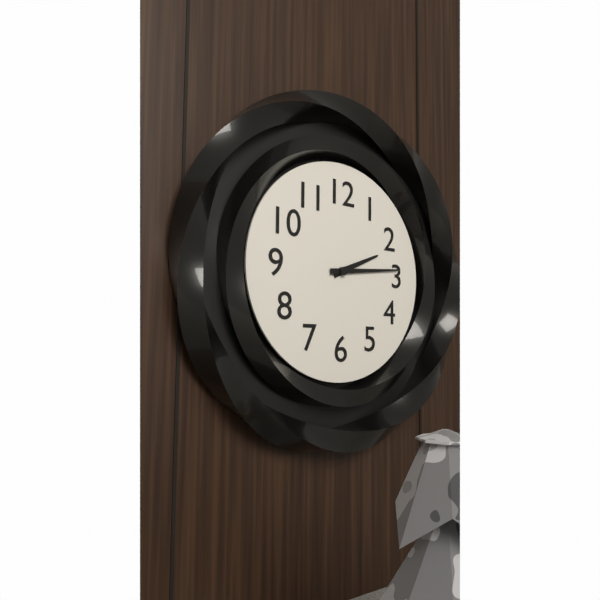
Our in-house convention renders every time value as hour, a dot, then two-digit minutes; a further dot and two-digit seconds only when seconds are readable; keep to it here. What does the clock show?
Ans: 2.14
